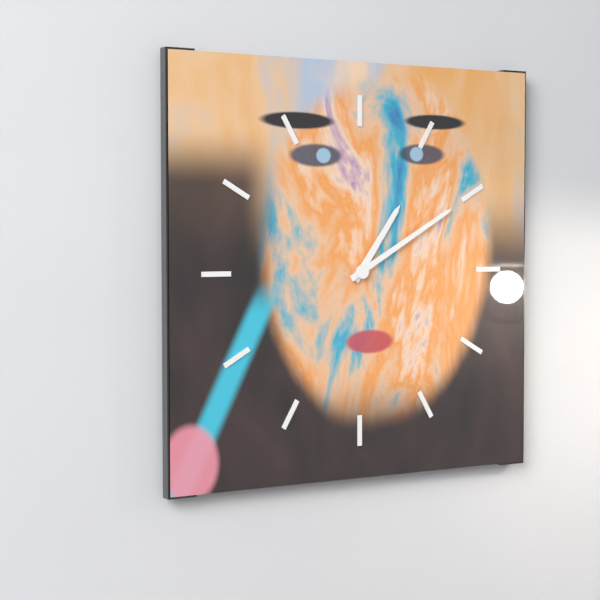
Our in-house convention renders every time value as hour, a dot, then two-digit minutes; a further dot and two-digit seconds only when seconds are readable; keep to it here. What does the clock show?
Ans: 1.10
